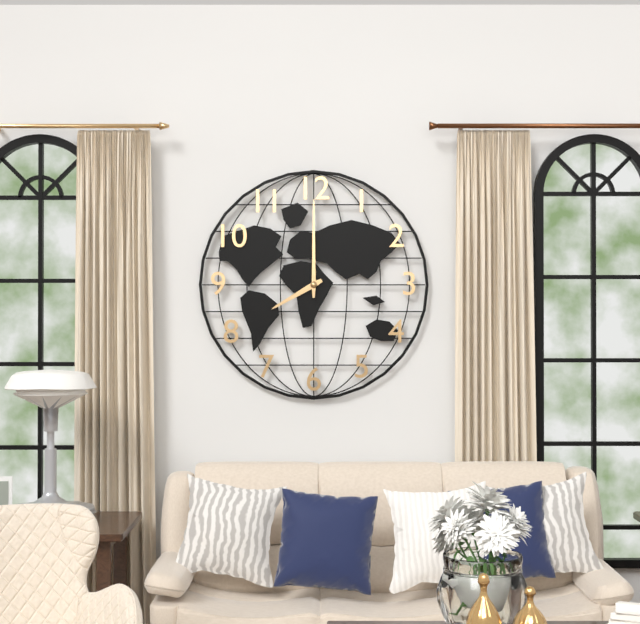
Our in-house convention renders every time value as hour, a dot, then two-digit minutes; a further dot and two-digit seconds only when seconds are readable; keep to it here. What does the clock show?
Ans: 8.00
